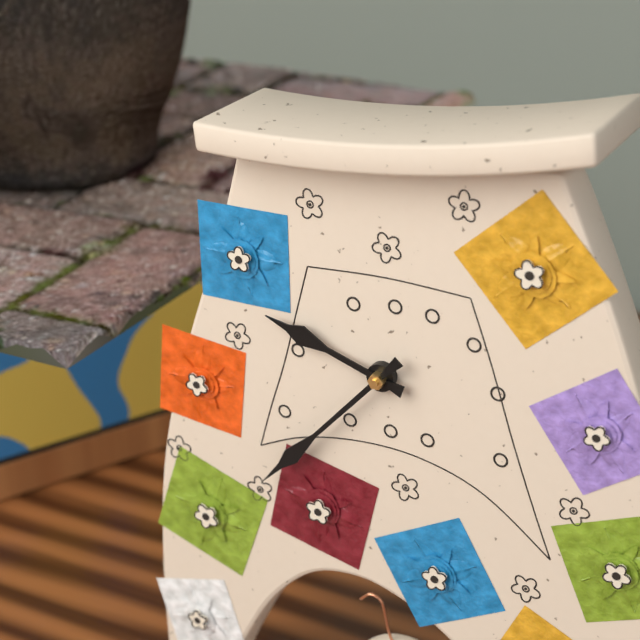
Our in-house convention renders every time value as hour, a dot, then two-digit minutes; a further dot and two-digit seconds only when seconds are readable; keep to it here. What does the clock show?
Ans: 9.37
